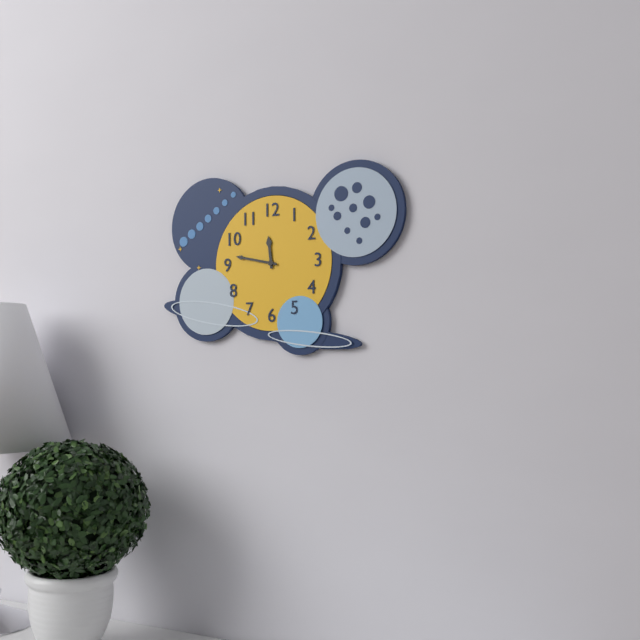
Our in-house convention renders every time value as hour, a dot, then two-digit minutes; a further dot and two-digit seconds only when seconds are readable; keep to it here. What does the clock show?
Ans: 11.47
